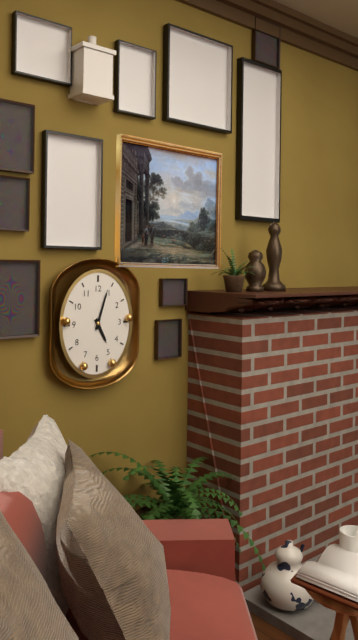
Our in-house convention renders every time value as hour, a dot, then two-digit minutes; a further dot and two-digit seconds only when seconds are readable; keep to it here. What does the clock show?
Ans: 5.03
